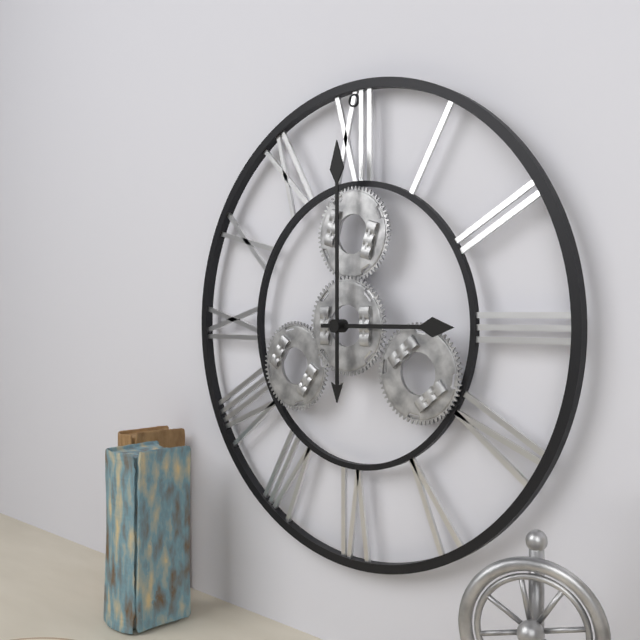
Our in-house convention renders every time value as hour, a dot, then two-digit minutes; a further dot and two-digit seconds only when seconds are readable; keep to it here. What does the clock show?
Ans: 3.00
